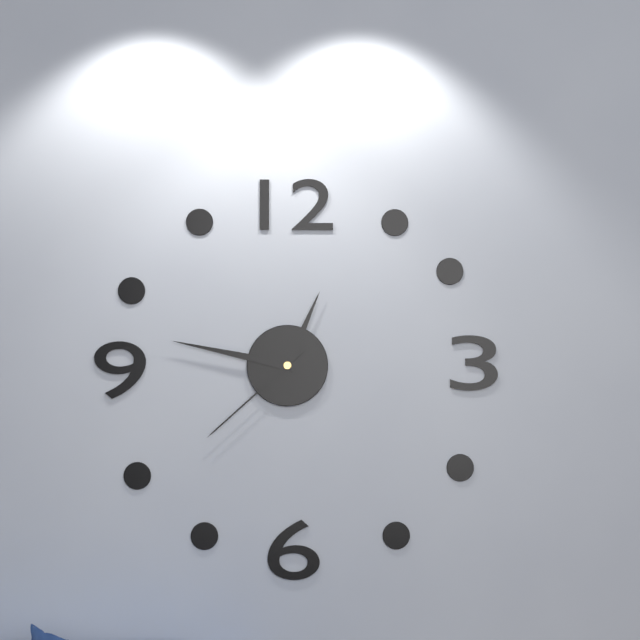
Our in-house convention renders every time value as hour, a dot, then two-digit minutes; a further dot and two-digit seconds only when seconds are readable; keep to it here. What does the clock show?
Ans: 12.47.38
